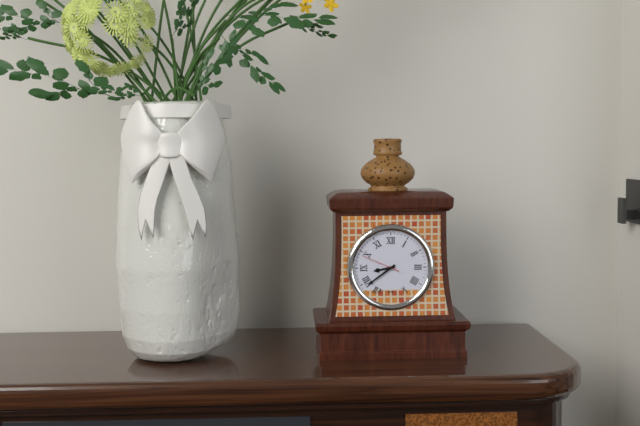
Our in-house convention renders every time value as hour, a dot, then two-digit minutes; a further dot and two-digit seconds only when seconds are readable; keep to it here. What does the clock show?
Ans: 8.39
